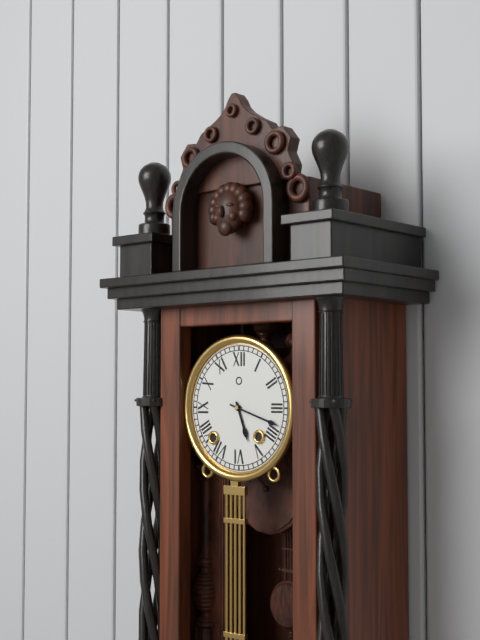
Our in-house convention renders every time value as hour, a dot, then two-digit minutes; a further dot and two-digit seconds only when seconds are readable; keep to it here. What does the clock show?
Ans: 5.18
